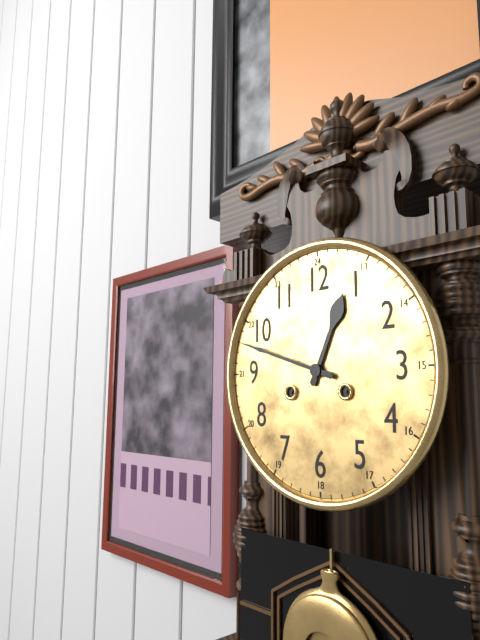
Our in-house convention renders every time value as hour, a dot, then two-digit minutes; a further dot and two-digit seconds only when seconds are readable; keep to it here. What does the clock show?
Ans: 12.48
